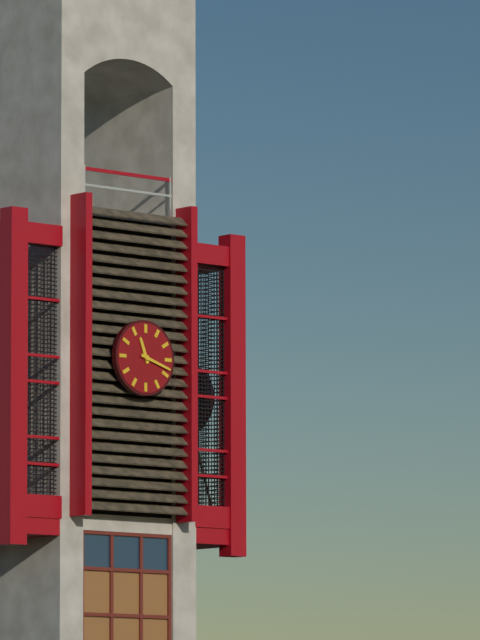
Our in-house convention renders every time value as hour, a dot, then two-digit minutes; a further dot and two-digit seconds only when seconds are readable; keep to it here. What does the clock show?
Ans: 11.18
